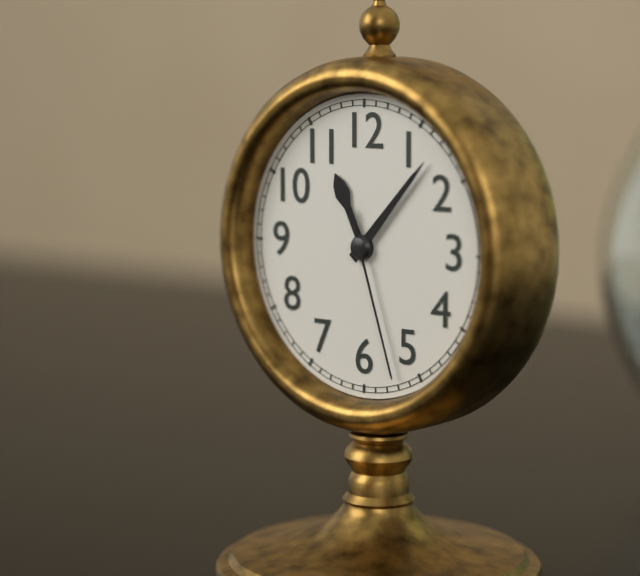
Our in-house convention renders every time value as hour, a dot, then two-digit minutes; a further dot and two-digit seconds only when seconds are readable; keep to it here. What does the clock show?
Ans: 11.07.27
